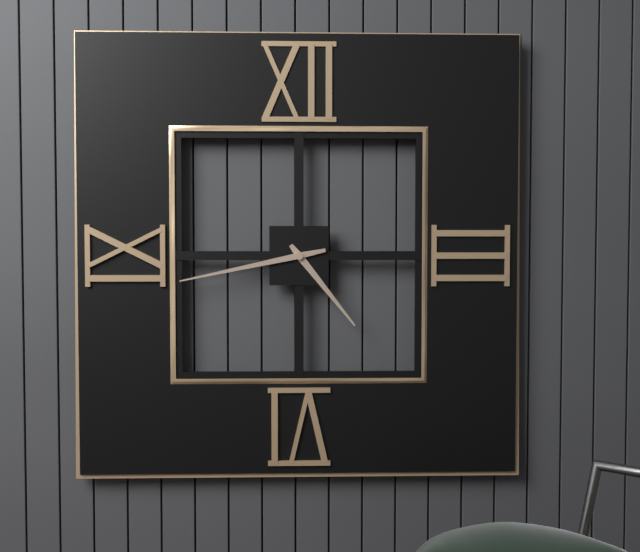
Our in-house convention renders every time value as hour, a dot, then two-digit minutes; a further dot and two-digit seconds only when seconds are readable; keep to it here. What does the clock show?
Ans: 4.43
